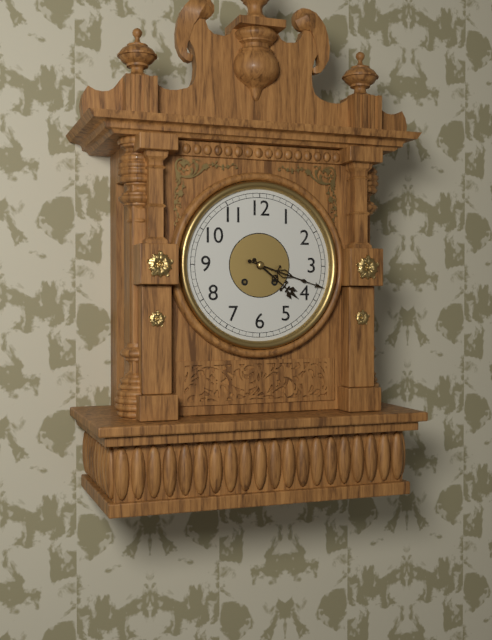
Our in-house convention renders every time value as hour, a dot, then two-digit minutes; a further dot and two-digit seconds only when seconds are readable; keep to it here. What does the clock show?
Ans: 4.18
